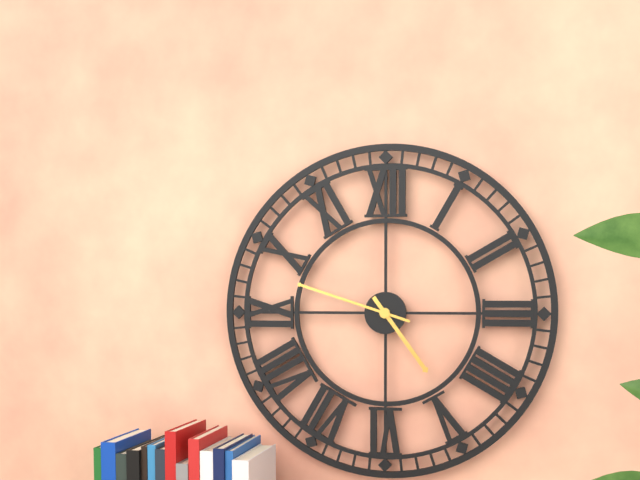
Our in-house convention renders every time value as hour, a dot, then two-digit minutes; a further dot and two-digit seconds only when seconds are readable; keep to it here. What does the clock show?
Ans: 4.48
